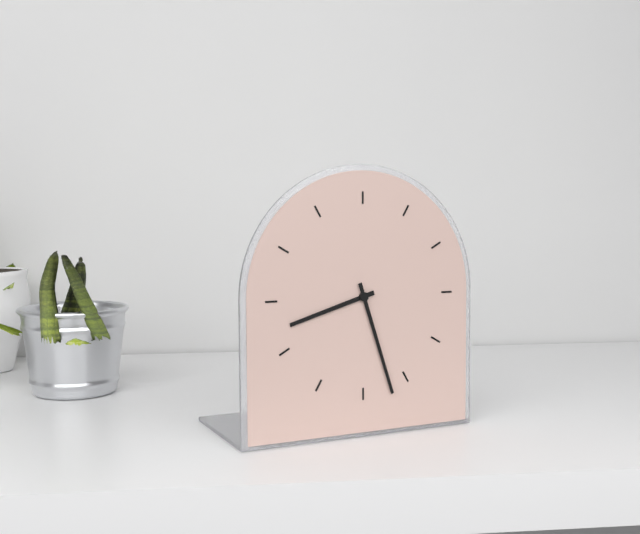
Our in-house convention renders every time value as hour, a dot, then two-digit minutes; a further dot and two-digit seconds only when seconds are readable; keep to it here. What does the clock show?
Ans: 8.27
